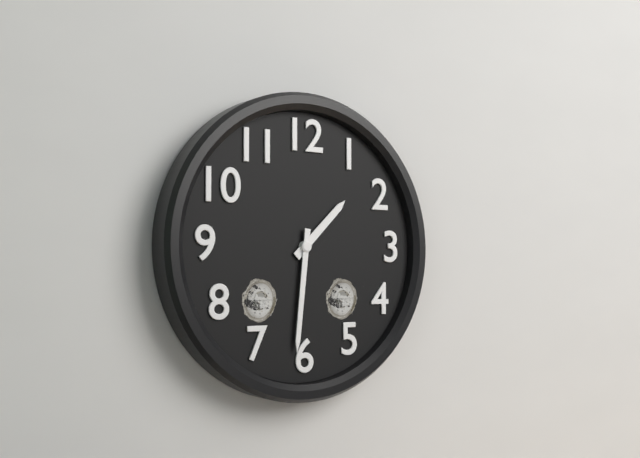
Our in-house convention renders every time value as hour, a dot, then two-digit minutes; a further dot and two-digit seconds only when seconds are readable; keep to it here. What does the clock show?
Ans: 1.31
